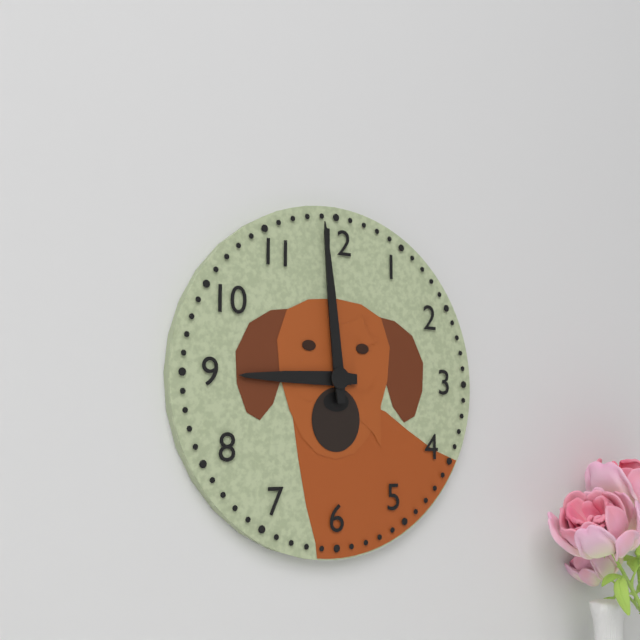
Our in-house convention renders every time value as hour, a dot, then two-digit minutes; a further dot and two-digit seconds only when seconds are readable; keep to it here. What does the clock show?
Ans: 8.59
